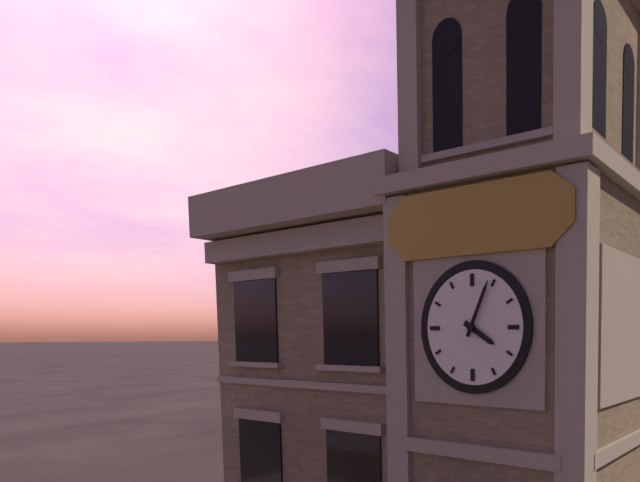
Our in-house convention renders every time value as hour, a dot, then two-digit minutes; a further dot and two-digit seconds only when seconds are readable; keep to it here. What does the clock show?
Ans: 4.04
